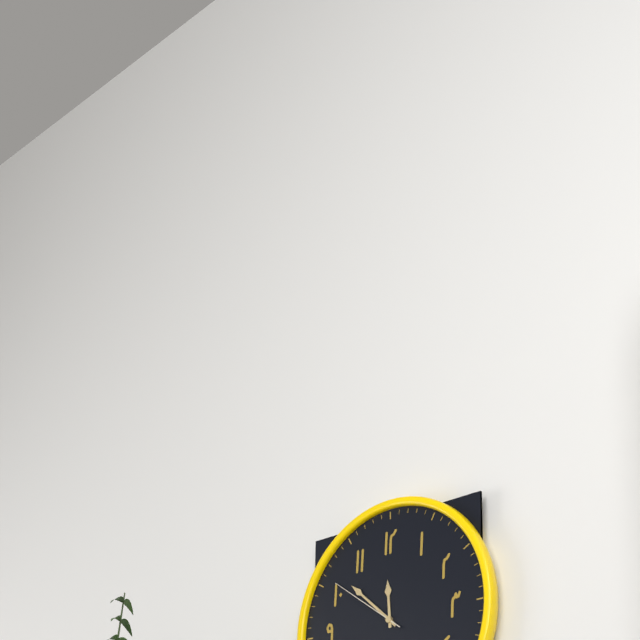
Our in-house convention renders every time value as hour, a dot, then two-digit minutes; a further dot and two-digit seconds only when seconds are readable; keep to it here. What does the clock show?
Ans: 11.52.51
